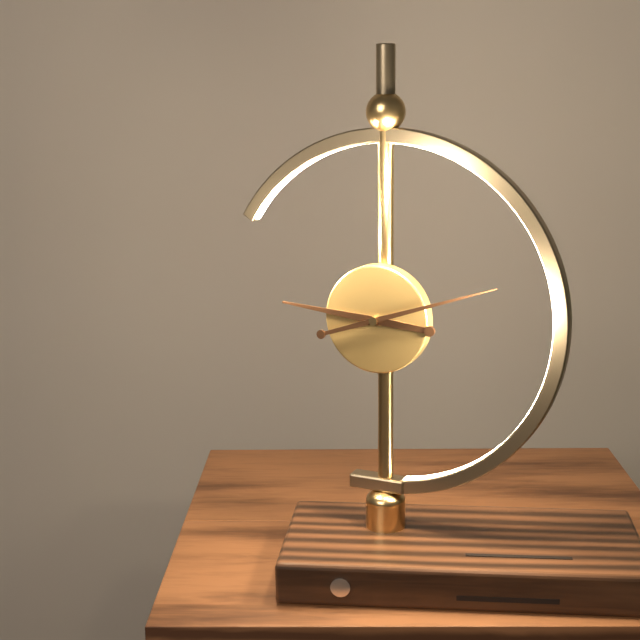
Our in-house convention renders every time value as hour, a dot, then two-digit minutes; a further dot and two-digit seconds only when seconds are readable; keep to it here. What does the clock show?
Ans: 9.12
